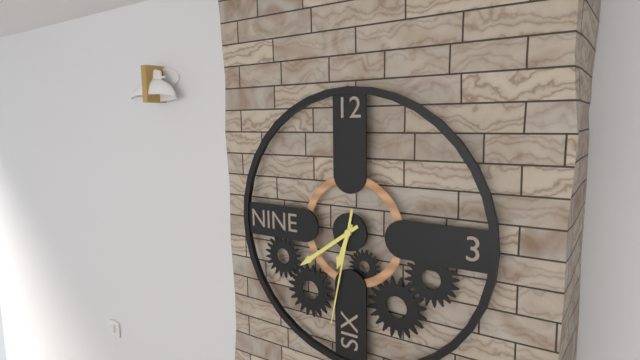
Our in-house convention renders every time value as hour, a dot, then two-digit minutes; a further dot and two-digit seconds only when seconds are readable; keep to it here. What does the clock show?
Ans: 6.39.32
